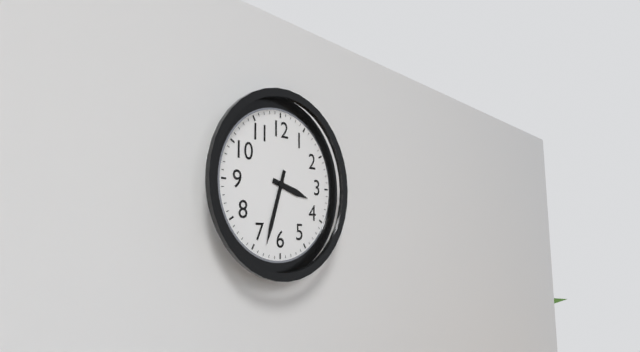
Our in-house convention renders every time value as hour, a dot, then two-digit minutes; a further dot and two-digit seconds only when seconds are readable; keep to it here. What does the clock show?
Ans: 3.33
